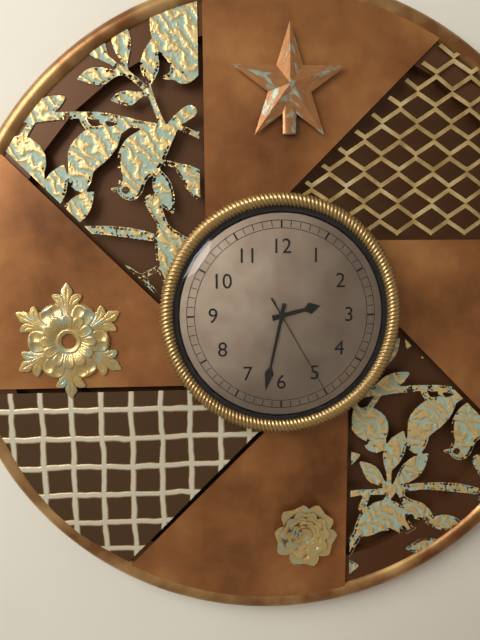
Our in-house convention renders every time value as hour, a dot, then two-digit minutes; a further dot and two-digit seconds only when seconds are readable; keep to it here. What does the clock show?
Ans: 2.32.25
